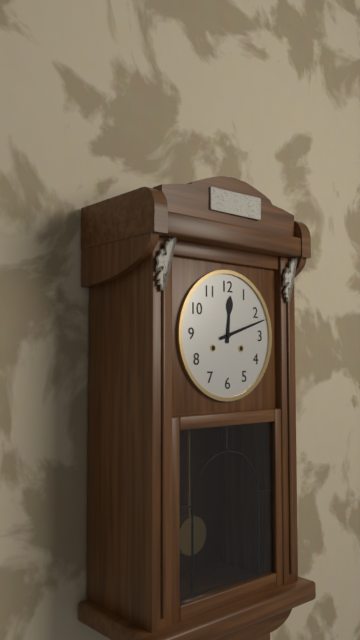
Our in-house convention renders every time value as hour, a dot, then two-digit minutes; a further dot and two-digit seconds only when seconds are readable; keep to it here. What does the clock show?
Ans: 12.12
